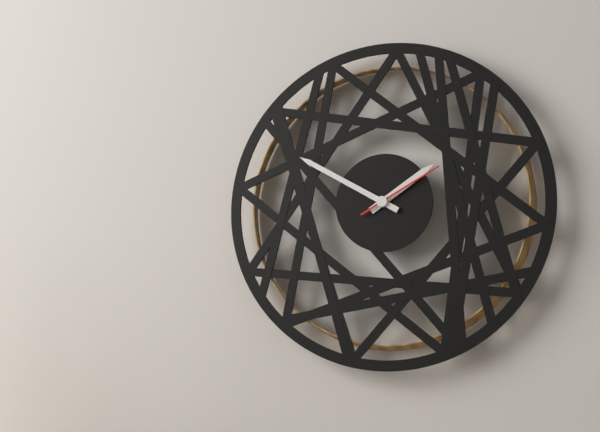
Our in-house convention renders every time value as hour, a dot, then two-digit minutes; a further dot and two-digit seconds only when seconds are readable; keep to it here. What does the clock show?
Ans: 1.50.10
